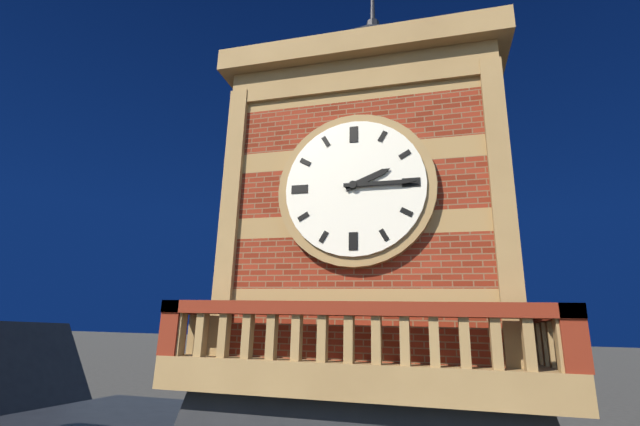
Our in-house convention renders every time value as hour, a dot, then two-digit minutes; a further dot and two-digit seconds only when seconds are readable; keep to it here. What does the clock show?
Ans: 2.15
